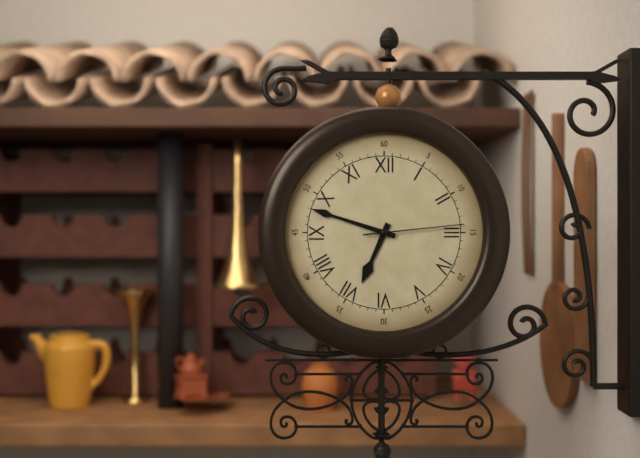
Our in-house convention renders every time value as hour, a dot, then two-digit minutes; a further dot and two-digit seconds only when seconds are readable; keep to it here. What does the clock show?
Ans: 6.48.14
